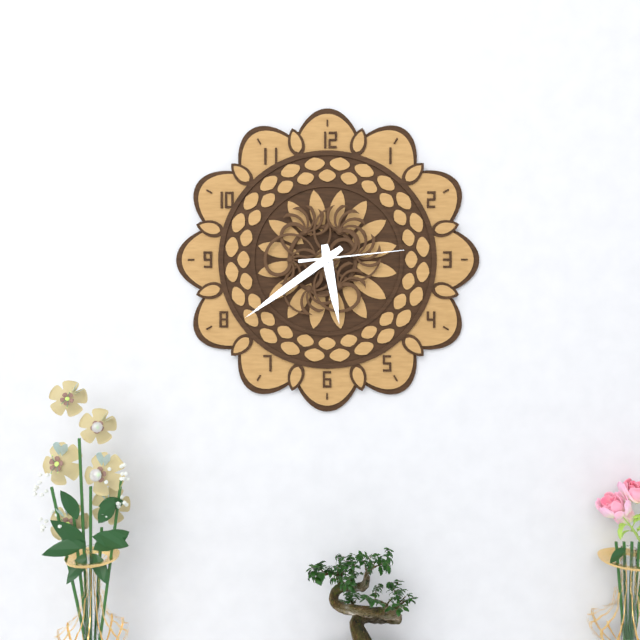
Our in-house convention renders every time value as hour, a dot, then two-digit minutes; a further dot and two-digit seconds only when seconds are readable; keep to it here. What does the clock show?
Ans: 5.39.14
